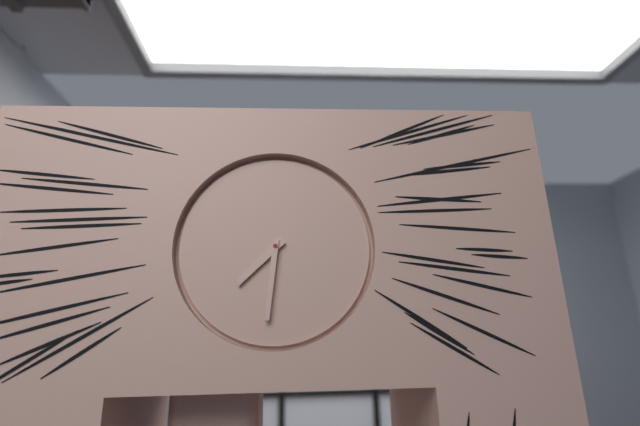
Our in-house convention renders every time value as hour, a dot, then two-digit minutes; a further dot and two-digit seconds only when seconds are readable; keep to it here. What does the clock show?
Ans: 7.31
